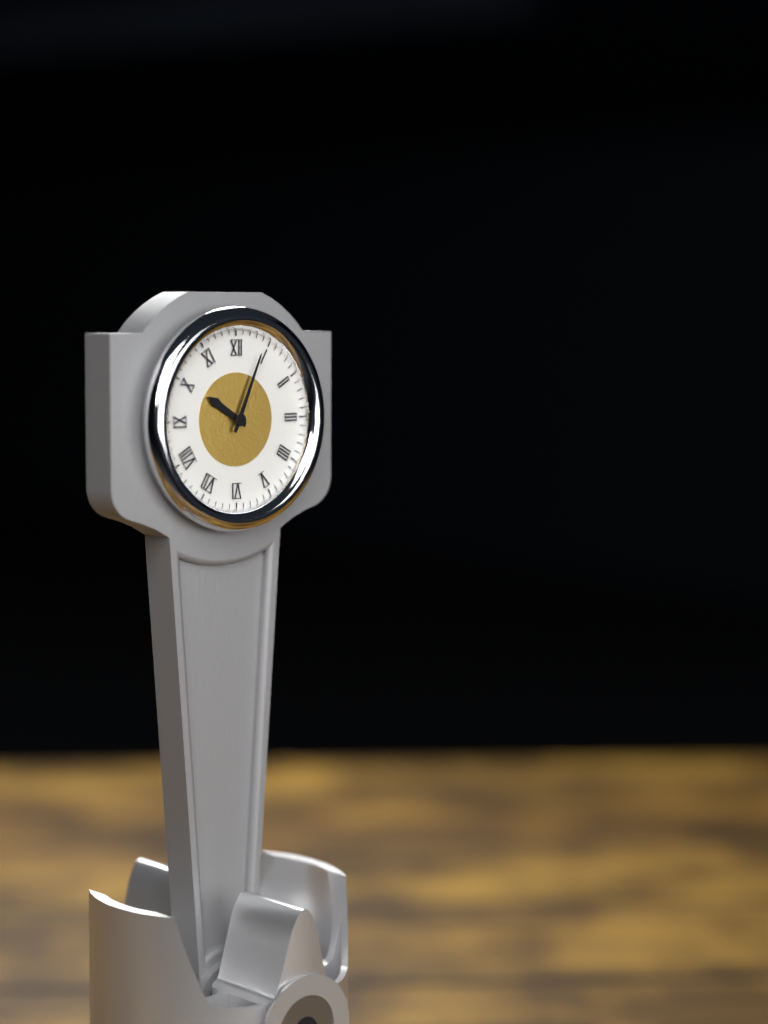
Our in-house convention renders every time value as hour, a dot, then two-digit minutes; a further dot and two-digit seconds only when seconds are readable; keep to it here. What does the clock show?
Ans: 10.04
